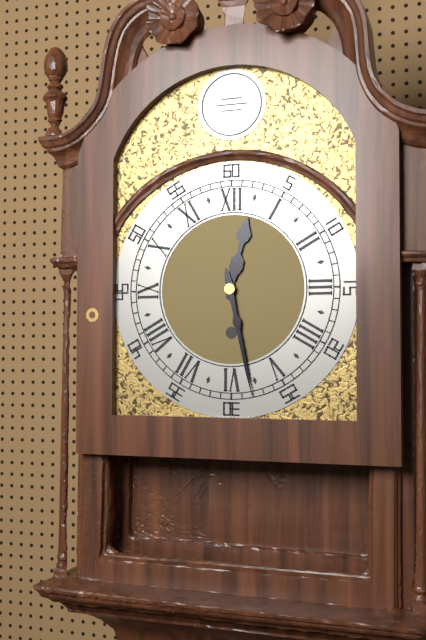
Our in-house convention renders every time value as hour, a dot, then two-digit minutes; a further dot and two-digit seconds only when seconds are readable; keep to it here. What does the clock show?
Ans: 12.28
